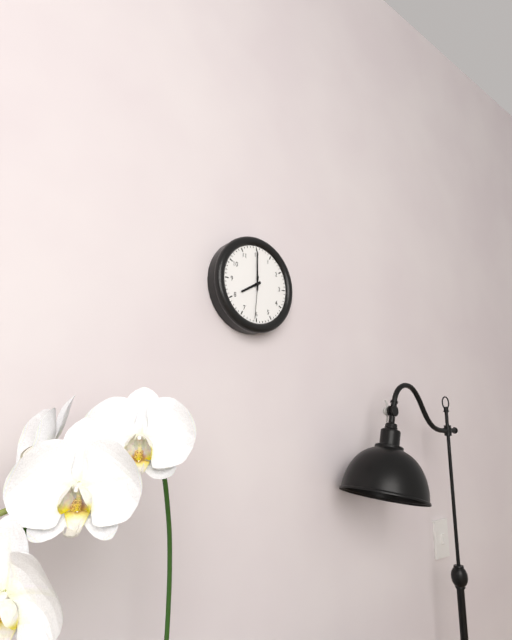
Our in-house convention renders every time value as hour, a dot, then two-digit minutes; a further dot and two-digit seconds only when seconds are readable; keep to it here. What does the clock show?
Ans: 8.00
